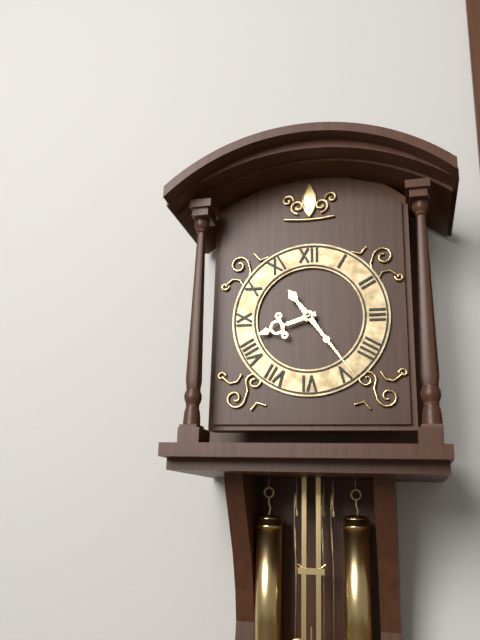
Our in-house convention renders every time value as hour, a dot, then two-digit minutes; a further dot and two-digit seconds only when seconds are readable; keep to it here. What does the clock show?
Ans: 8.24
